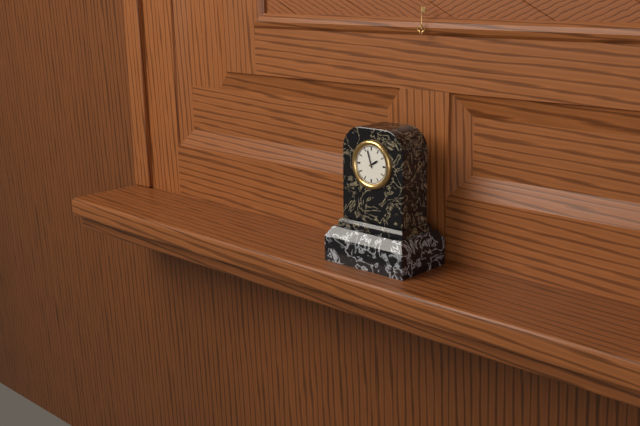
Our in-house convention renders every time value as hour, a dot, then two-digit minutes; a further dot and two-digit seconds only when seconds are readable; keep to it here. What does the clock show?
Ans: 1.57
